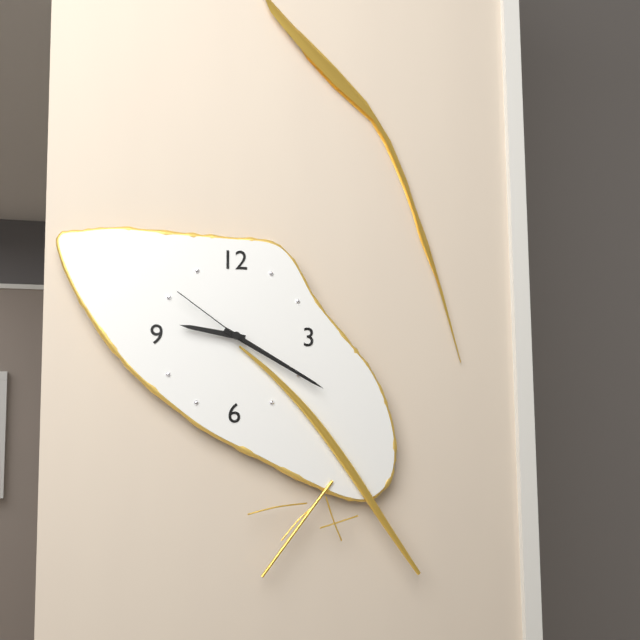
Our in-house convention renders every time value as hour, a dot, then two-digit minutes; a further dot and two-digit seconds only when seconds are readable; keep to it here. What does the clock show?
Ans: 9.20.51
